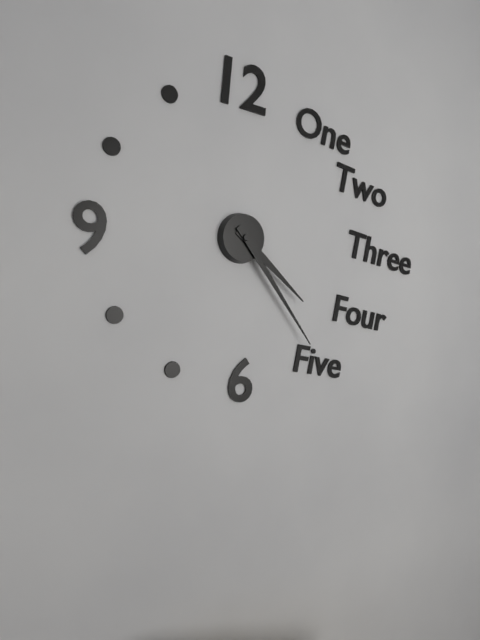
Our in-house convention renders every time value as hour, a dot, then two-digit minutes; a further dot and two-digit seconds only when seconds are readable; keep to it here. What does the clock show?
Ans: 4.24
